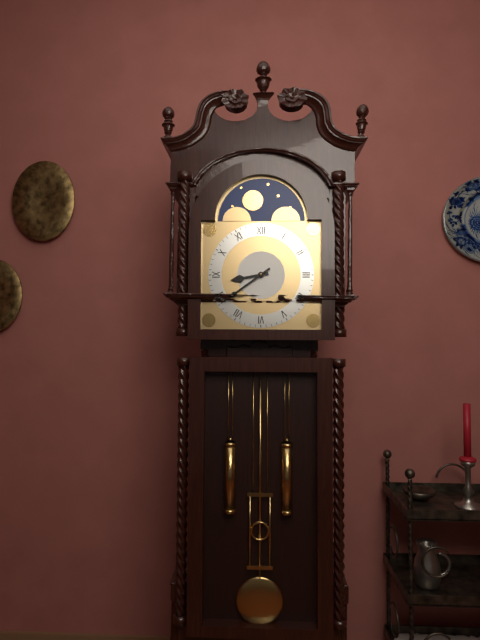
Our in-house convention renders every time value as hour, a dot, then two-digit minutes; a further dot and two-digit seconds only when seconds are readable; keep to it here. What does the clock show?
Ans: 8.39
